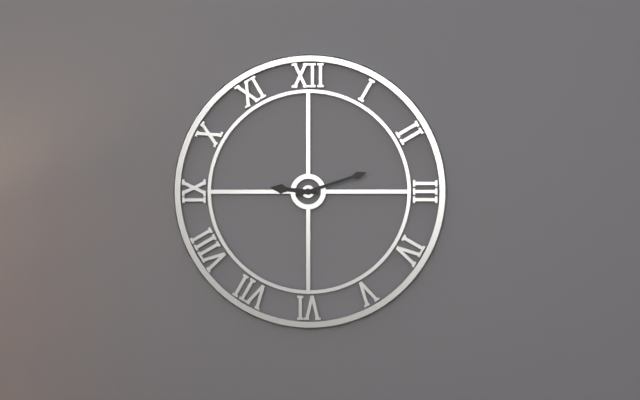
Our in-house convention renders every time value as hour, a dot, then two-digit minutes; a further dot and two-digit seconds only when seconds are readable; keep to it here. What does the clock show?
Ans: 9.12
